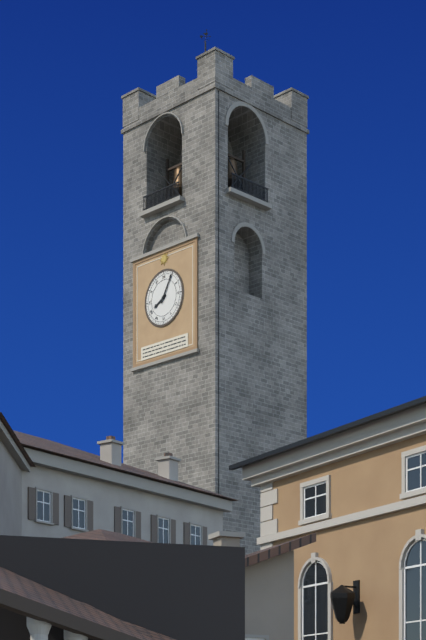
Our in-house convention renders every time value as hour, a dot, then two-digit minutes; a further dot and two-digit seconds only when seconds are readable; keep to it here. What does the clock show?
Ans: 8.05
